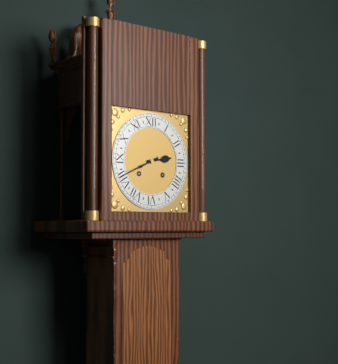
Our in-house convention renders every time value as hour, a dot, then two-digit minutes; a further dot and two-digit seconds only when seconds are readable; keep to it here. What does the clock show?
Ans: 2.41
